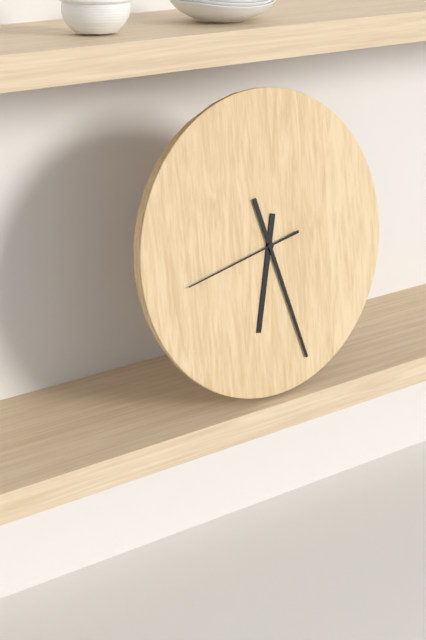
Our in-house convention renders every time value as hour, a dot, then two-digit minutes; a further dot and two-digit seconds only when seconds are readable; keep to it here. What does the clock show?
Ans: 6.27.43
